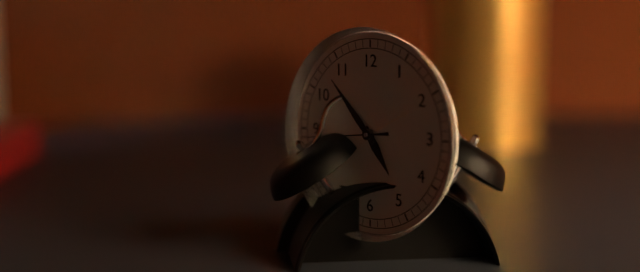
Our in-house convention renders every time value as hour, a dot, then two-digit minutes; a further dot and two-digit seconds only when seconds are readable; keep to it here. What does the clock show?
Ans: 4.53.44
